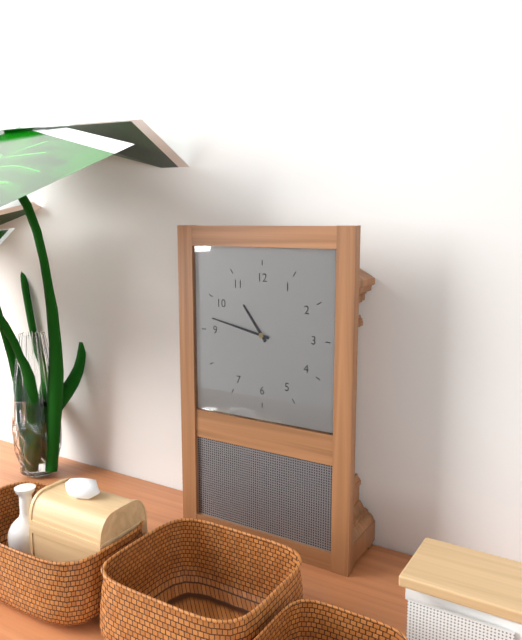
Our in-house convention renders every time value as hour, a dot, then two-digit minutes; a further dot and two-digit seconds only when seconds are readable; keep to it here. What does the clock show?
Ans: 10.47
